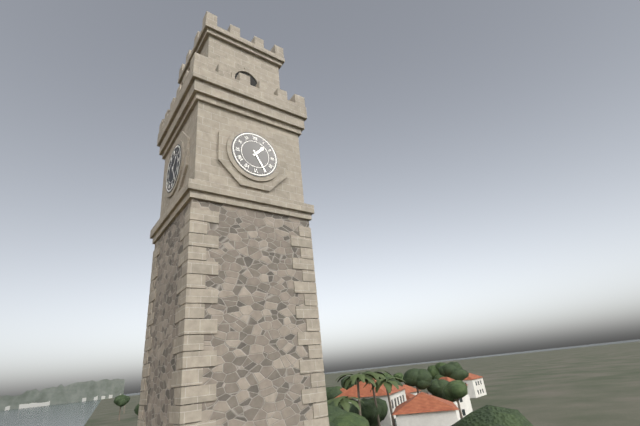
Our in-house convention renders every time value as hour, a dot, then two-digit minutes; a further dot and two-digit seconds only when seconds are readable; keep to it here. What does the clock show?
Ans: 1.25
